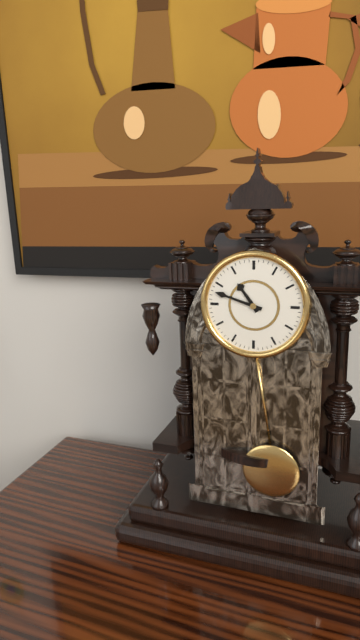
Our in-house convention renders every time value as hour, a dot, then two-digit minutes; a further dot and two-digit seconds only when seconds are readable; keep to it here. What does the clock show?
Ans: 10.48
